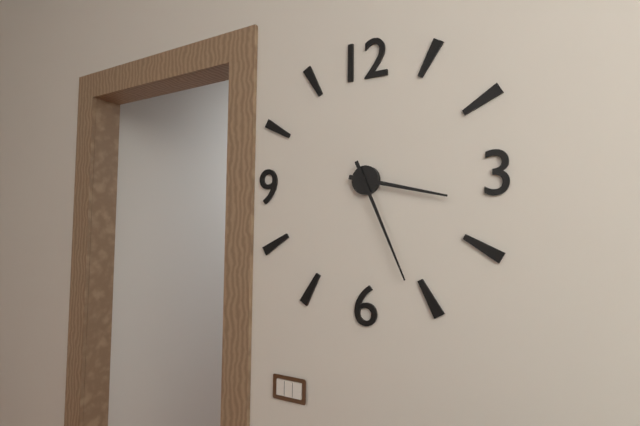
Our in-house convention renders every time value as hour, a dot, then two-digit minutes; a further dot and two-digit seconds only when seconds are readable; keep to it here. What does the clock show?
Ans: 3.26
